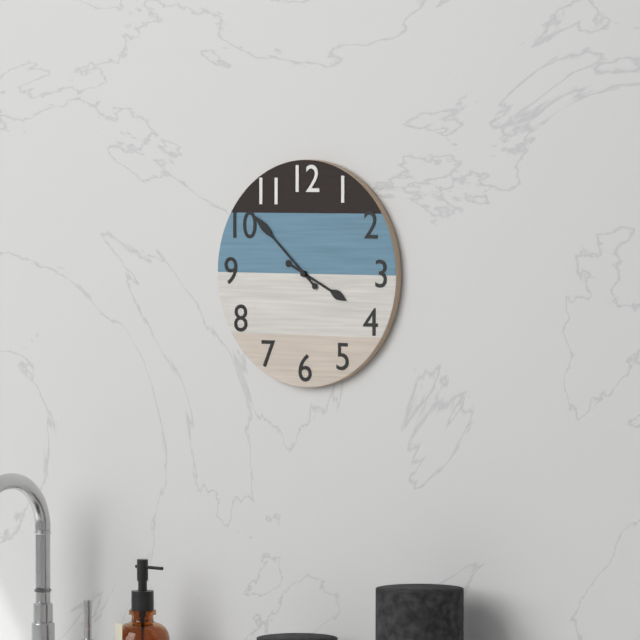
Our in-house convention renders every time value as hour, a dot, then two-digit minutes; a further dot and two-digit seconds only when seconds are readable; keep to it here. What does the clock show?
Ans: 3.52
